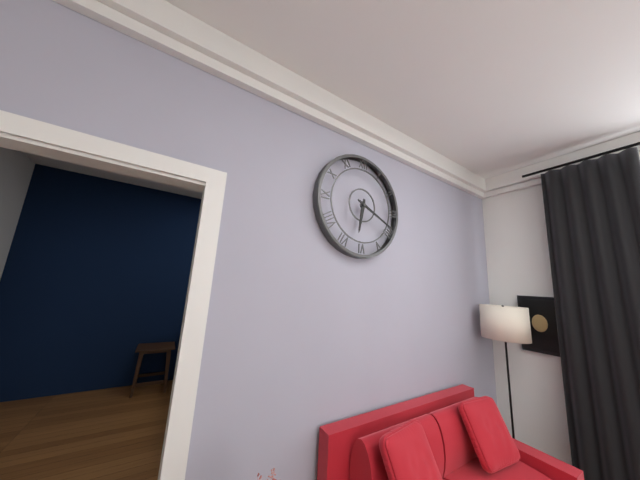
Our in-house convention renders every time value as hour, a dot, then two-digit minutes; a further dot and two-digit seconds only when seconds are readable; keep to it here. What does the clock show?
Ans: 6.19
